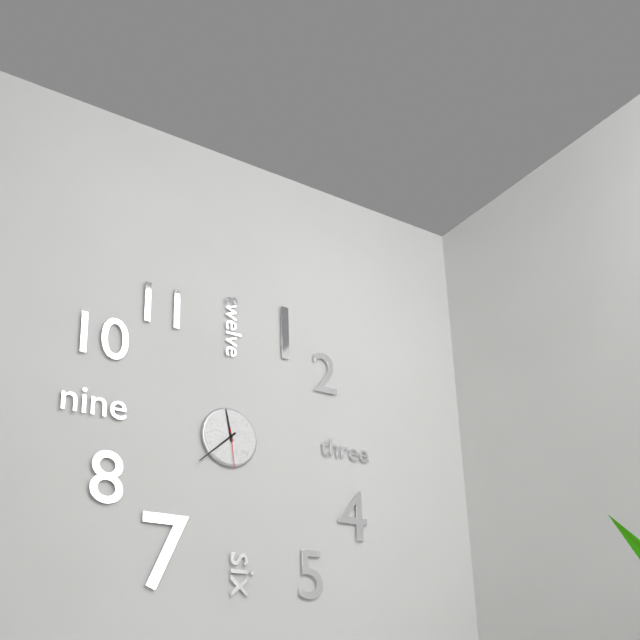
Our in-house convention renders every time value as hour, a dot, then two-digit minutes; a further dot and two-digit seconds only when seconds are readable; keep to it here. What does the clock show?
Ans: 11.38
